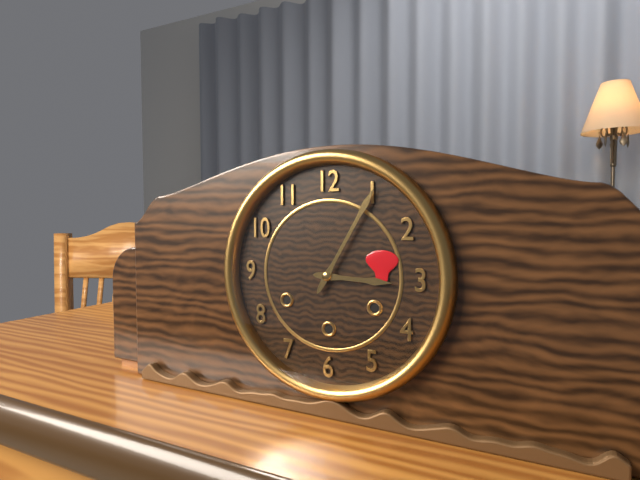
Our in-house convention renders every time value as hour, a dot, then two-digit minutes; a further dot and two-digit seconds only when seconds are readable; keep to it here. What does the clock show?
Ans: 3.05
